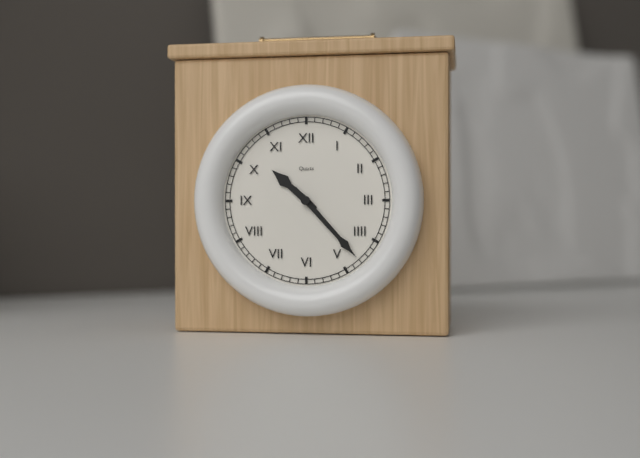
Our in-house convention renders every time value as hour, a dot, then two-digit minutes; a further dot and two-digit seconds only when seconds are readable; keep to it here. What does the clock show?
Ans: 10.23
